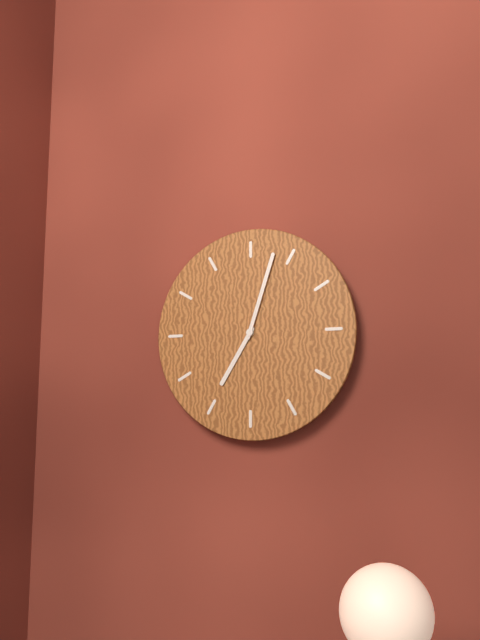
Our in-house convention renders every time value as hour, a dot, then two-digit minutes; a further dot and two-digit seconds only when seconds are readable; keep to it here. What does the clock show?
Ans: 7.03
